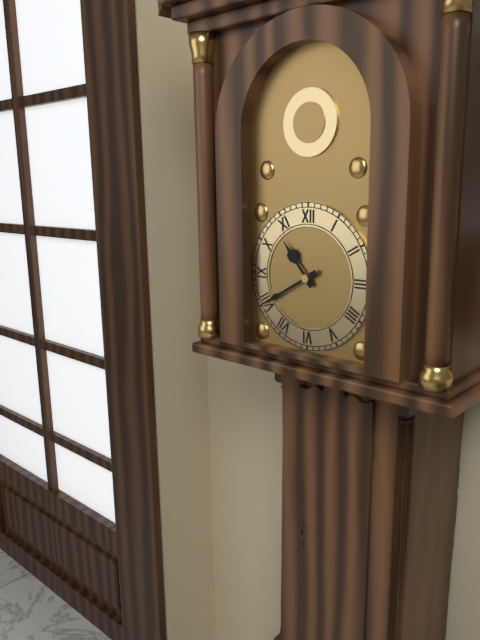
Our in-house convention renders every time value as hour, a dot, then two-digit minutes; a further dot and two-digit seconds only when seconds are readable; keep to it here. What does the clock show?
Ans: 10.40
